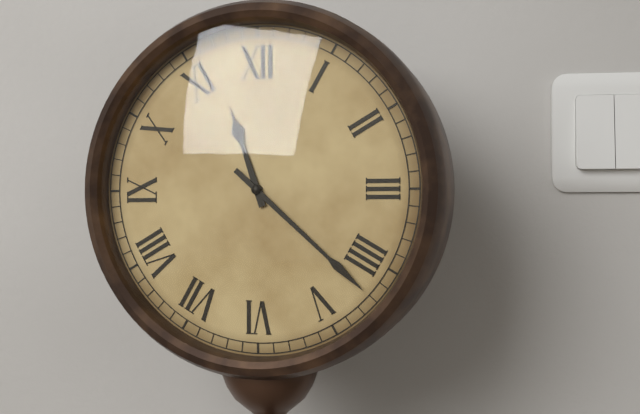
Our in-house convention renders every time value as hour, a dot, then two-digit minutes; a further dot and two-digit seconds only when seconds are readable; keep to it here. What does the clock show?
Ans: 11.22
